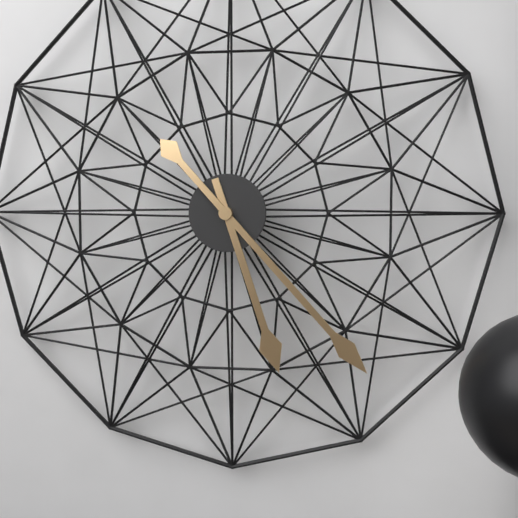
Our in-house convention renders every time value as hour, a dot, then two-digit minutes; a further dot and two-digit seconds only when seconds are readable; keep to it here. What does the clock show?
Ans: 5.23
